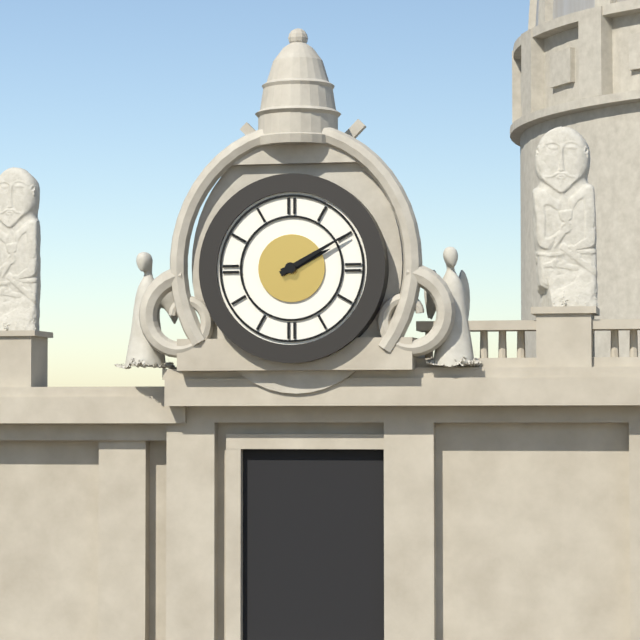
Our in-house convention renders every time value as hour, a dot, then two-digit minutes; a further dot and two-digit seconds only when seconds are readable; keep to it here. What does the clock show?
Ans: 2.10
